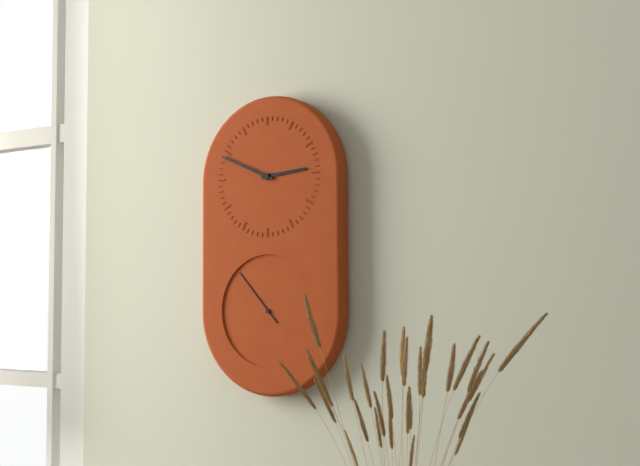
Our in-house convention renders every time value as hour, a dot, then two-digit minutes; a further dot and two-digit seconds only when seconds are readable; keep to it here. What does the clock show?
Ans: 2.49.53
